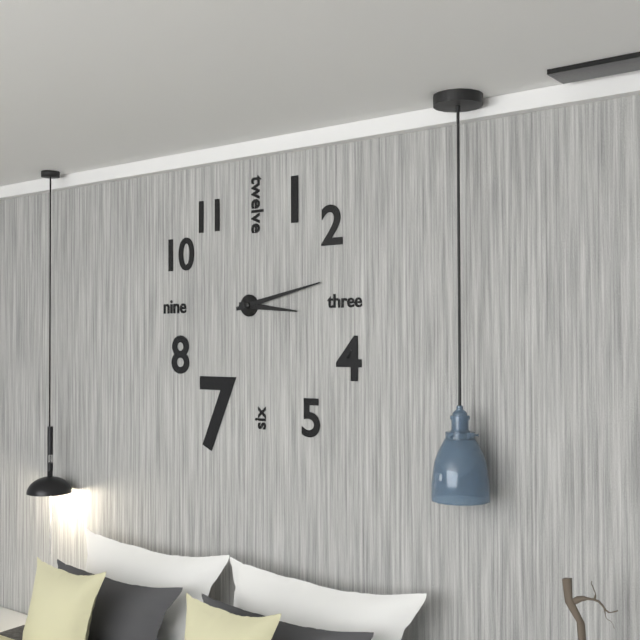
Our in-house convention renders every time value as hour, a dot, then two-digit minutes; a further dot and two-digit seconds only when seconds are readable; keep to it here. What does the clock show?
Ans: 3.13
